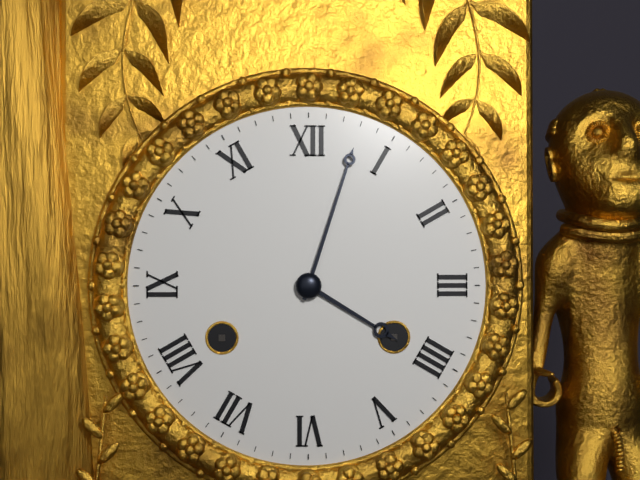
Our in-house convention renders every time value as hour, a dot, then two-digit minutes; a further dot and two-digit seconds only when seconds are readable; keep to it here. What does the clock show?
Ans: 4.03
